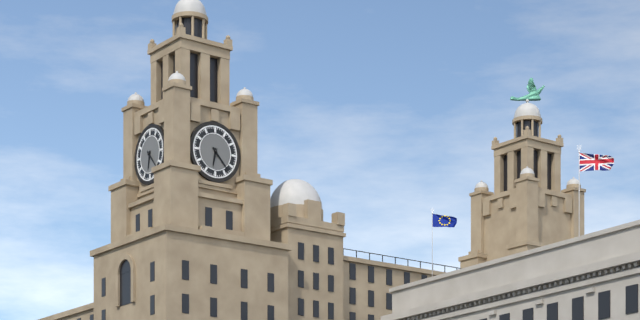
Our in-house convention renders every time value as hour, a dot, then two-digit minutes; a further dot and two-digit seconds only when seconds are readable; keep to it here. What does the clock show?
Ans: 6.23
